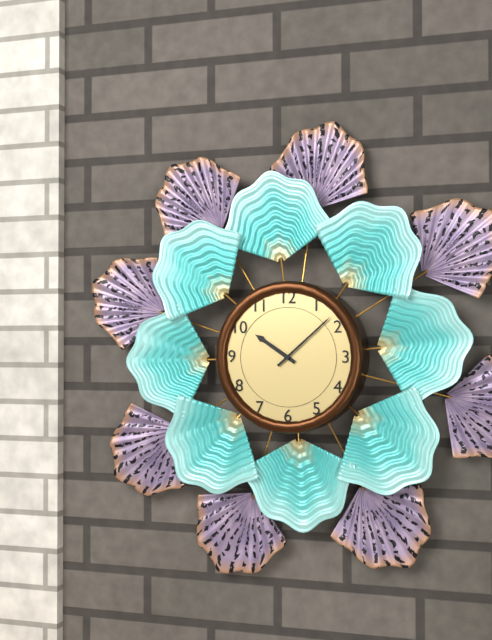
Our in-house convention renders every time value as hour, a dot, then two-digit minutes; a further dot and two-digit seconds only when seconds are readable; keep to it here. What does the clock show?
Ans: 10.08
